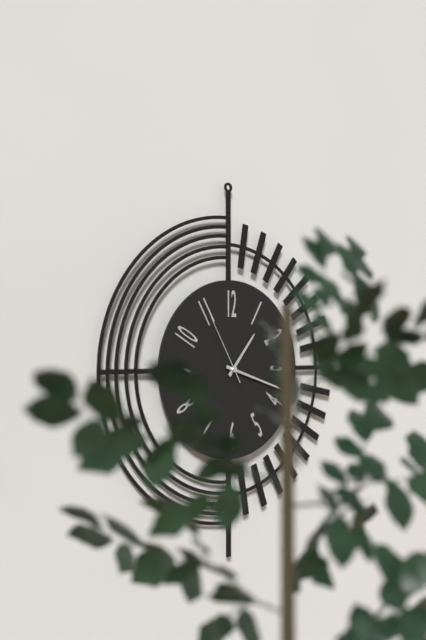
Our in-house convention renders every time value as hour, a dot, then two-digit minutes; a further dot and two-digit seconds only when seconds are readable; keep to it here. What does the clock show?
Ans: 1.18.55
